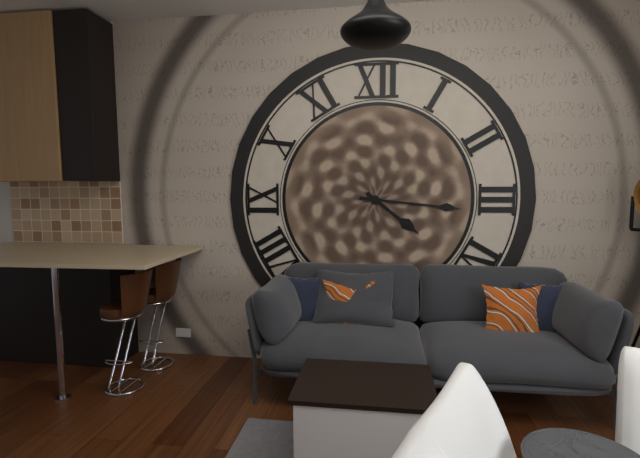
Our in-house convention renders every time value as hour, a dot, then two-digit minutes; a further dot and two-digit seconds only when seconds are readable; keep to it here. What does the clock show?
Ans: 4.16
